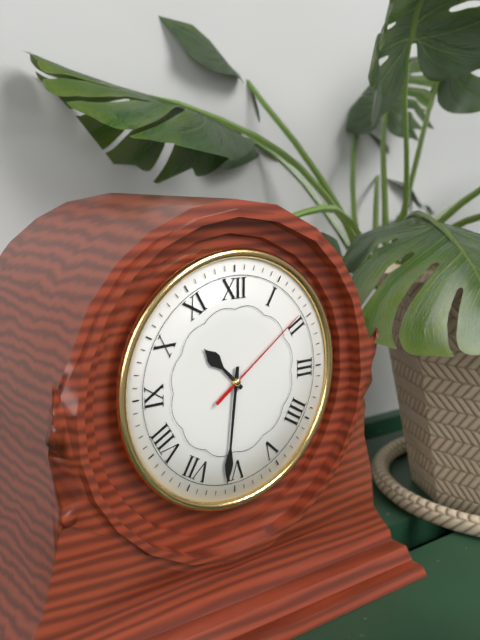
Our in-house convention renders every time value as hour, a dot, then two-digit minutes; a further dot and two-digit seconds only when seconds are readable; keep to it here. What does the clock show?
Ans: 10.31.09
